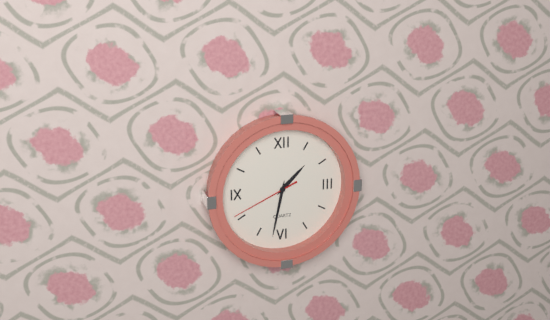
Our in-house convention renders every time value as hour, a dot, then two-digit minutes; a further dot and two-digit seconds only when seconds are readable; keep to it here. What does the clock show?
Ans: 1.32.41
